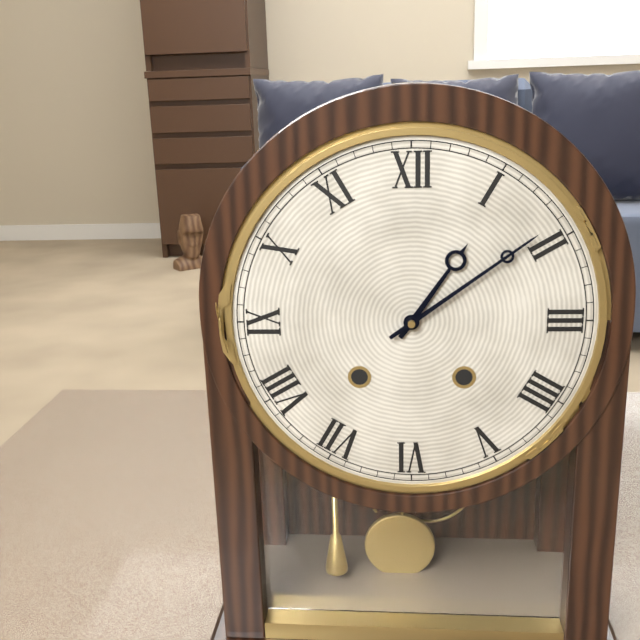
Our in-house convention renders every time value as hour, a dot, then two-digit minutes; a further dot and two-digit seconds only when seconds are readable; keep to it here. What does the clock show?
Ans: 1.09
